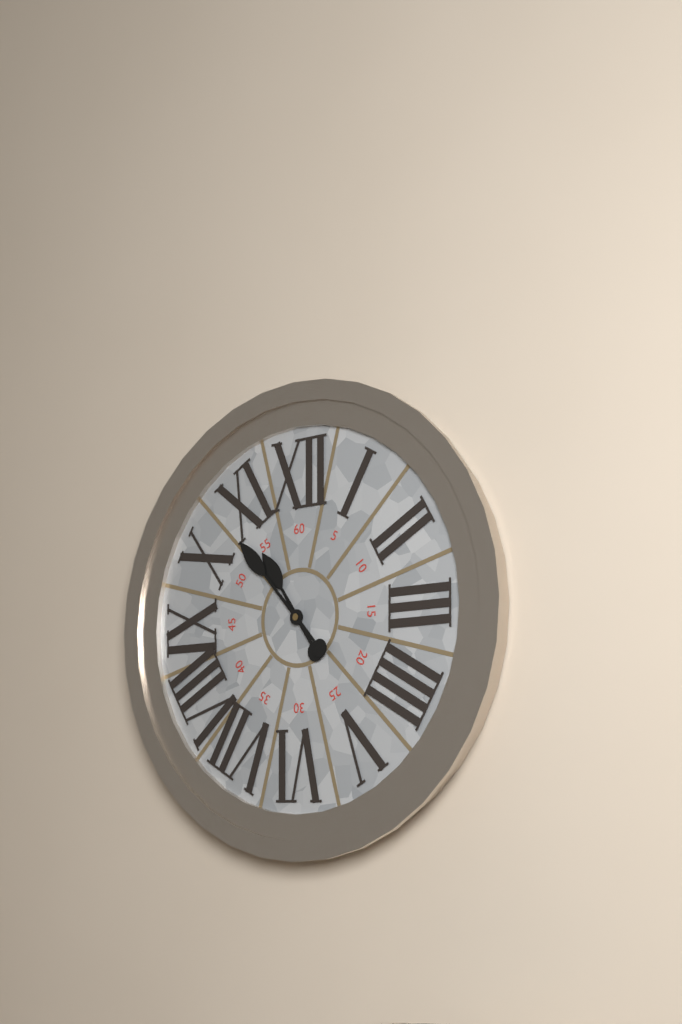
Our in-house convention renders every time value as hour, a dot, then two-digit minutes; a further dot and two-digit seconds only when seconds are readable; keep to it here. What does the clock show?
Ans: 10.53
